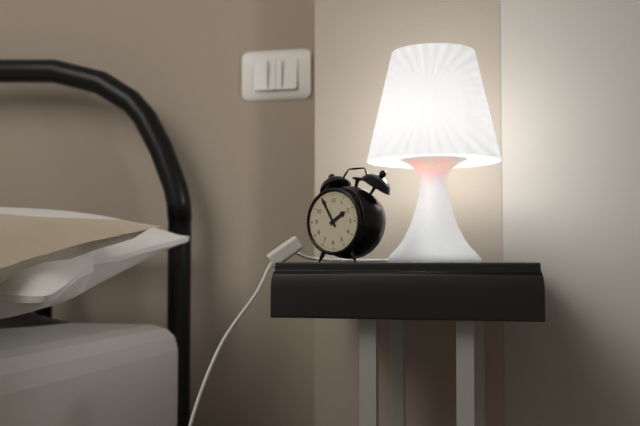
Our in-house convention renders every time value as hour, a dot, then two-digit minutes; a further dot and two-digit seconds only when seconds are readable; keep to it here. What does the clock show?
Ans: 1.55
